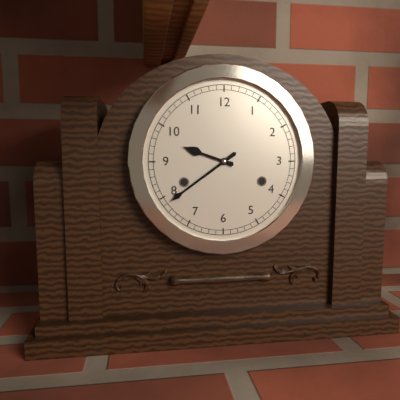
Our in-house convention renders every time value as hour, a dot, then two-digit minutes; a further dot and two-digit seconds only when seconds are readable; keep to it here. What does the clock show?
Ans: 9.39
